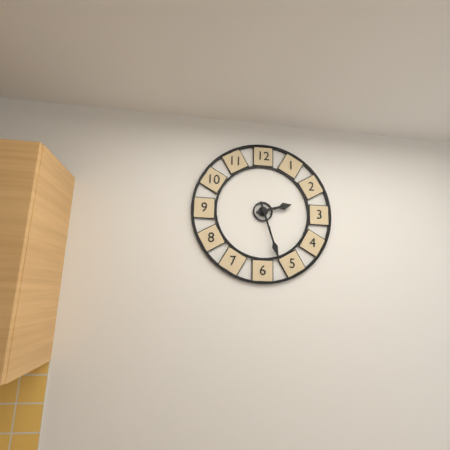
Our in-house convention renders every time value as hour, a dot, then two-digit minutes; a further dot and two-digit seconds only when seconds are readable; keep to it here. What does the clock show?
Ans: 2.27
